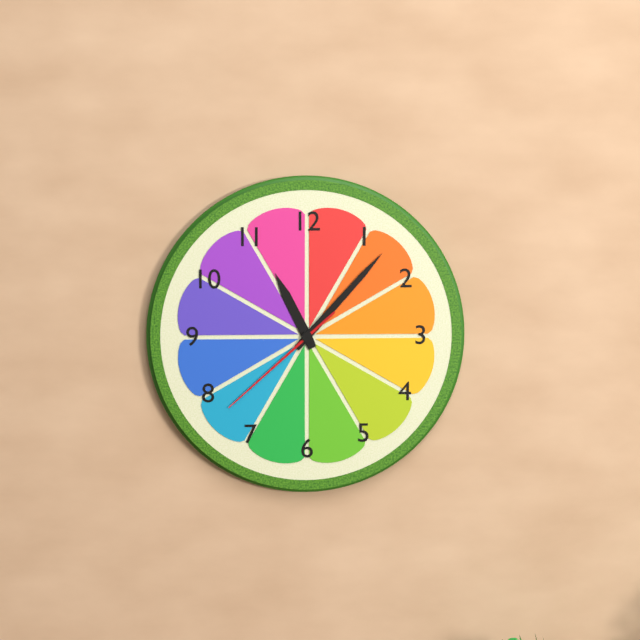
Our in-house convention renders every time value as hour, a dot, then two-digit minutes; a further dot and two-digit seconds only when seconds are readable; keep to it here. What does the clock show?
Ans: 11.07.38
